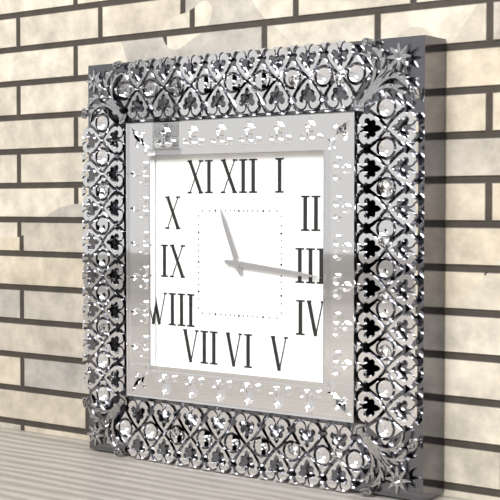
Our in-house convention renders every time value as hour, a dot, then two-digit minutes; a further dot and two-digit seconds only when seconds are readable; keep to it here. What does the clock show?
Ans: 11.16
